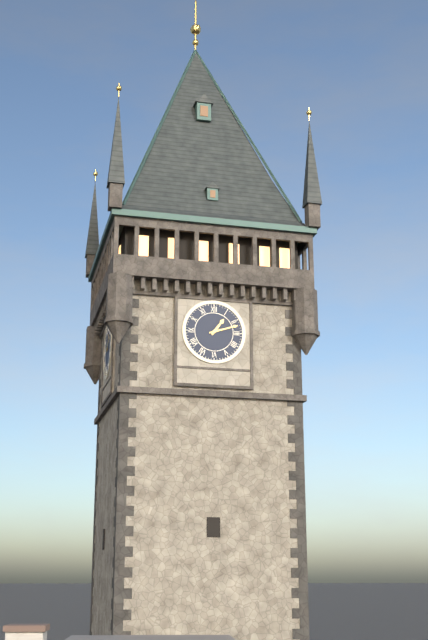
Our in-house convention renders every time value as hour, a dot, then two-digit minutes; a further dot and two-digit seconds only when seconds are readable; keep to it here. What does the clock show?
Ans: 1.12
